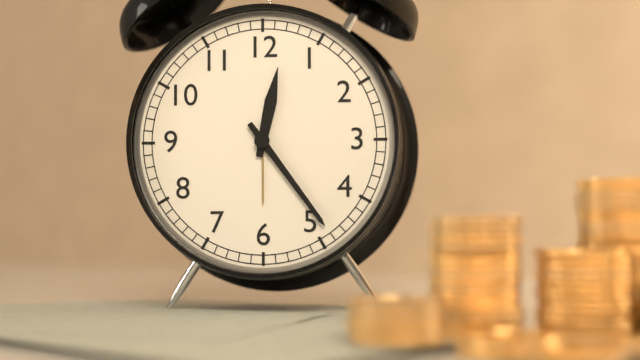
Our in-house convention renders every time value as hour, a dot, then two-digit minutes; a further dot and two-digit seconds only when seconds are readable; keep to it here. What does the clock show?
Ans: 12.24
